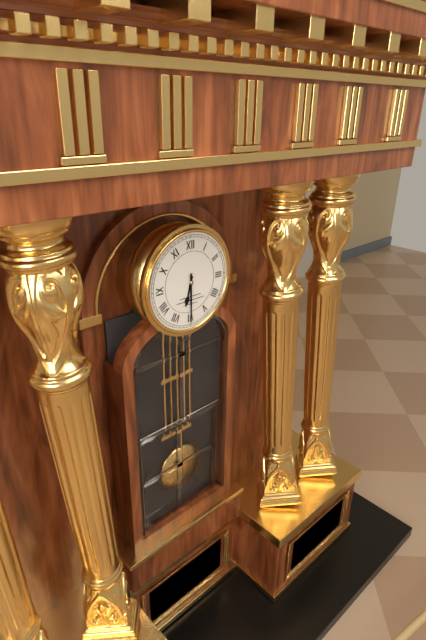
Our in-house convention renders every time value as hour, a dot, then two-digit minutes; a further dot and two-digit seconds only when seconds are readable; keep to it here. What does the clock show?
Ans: 6.30
